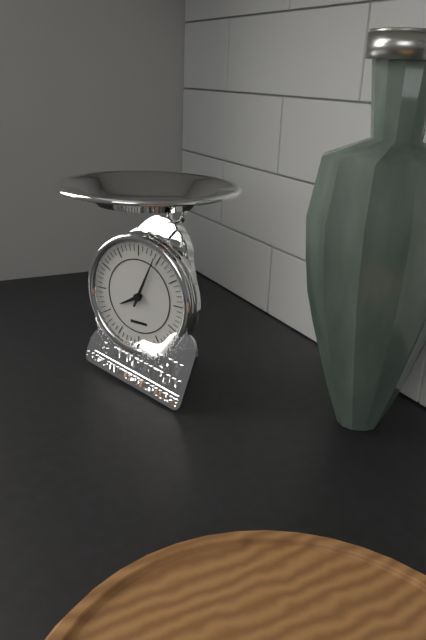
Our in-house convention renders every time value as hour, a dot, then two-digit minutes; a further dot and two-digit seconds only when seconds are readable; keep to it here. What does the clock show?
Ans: 8.04
